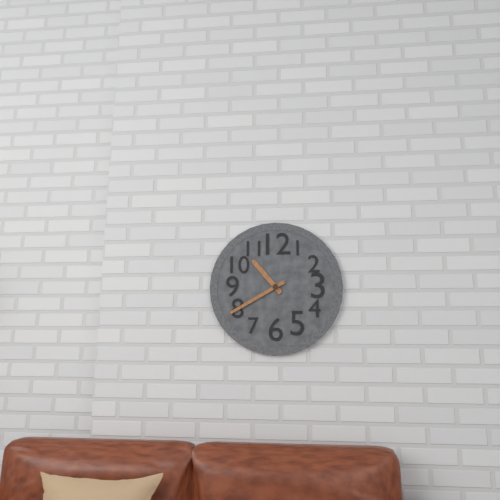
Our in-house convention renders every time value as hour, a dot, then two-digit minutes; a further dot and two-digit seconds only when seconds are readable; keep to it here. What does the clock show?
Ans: 10.40
